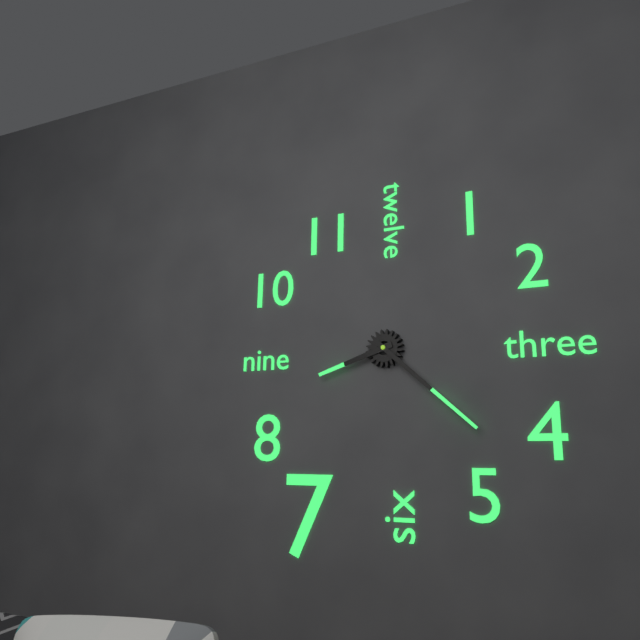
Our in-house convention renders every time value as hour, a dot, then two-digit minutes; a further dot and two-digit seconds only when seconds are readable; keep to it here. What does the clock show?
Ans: 8.22
